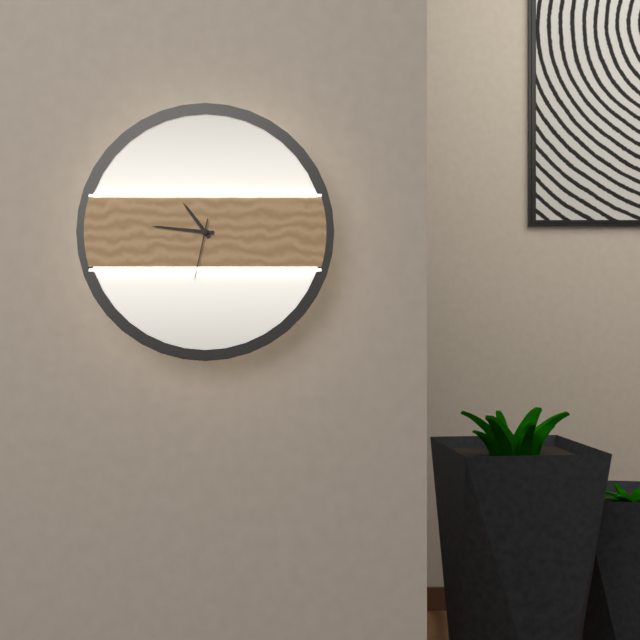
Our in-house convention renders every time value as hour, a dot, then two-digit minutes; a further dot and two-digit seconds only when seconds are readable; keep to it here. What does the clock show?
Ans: 10.46.32
